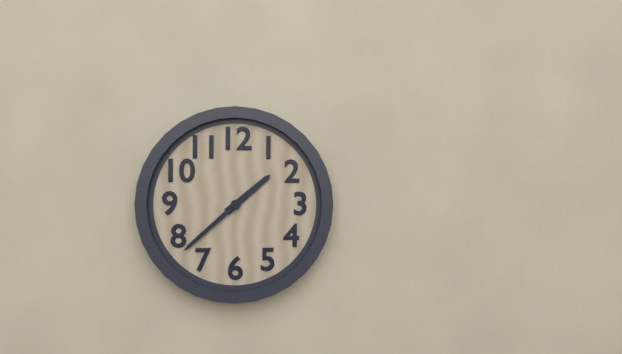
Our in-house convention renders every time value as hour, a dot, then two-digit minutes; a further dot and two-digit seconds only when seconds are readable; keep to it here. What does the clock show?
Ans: 1.38
